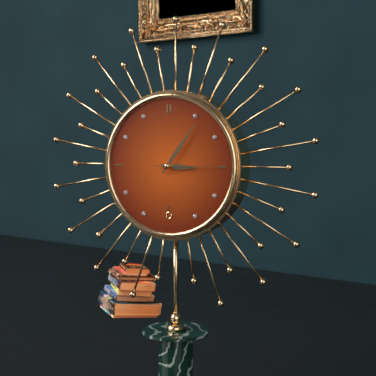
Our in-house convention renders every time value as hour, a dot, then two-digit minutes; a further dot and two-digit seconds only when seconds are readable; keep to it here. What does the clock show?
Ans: 3.06.15
